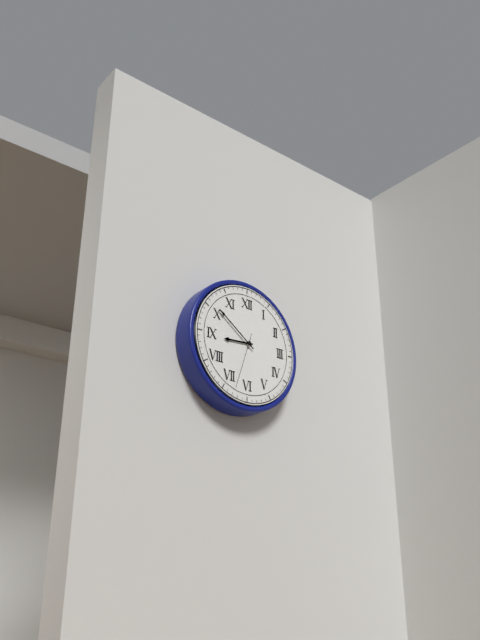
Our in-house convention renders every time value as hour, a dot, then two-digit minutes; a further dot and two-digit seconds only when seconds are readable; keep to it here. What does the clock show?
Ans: 8.51.33
